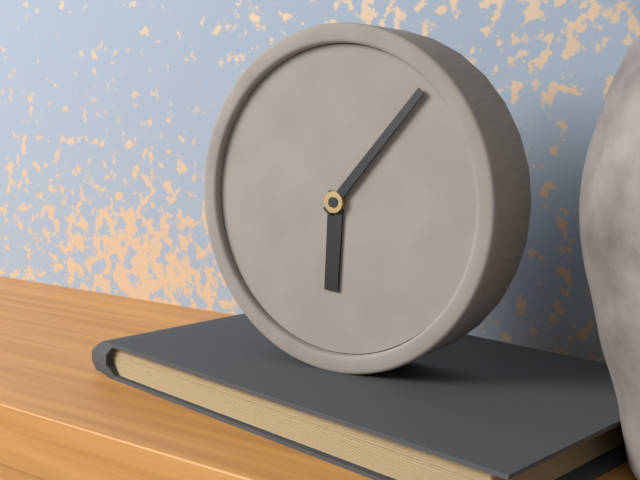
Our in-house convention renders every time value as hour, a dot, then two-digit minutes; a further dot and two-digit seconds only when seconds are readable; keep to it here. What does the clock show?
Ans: 6.07
